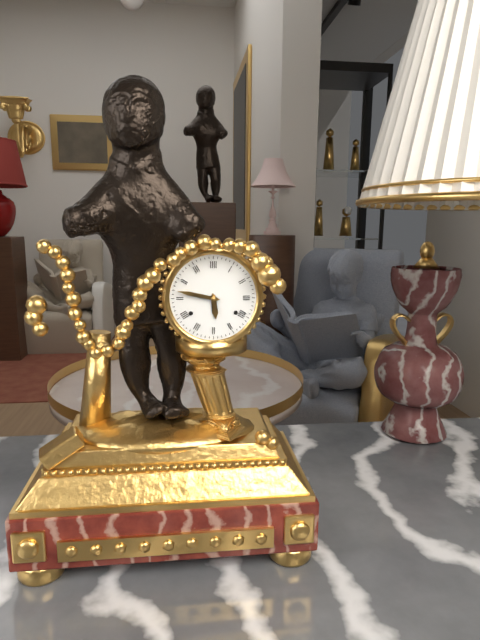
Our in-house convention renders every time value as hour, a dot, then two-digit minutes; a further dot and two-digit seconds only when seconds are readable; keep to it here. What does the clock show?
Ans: 5.47
